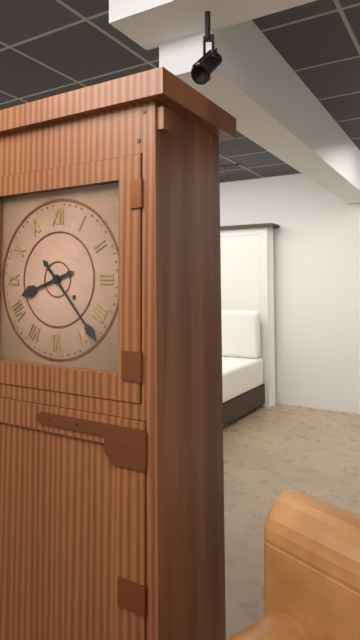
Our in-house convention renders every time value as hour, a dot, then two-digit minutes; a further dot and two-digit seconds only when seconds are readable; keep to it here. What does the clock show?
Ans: 8.23
